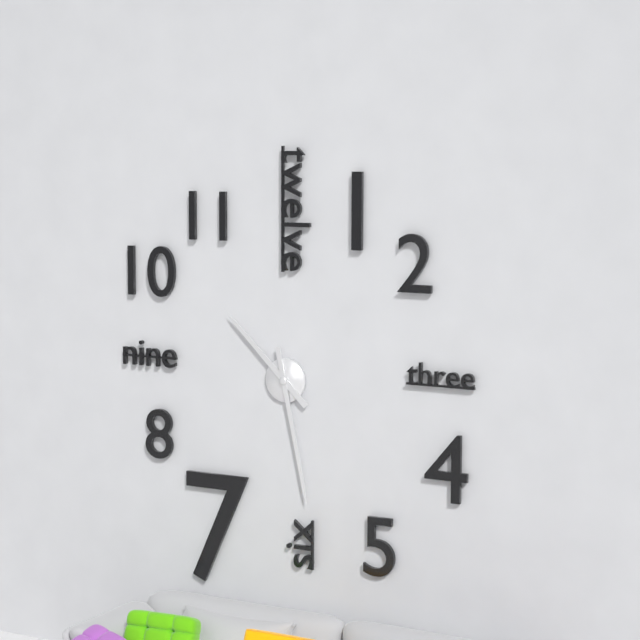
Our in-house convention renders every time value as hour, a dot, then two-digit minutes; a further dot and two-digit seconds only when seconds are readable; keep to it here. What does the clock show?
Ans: 10.28
